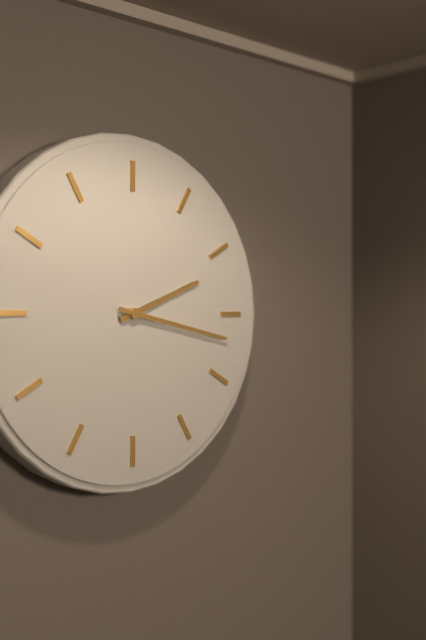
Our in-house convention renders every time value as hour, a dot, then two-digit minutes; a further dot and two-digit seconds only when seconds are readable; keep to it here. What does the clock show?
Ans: 2.17
